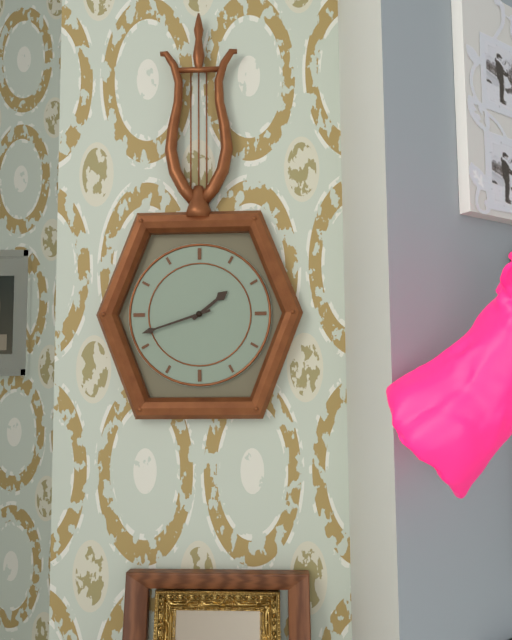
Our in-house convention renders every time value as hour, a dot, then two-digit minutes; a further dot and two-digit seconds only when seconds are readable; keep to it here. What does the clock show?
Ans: 1.42
